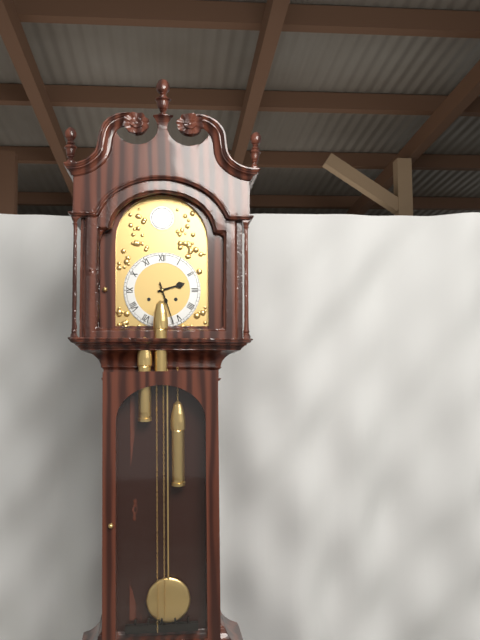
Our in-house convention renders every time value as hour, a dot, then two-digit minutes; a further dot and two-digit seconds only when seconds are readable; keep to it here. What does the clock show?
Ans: 2.27
